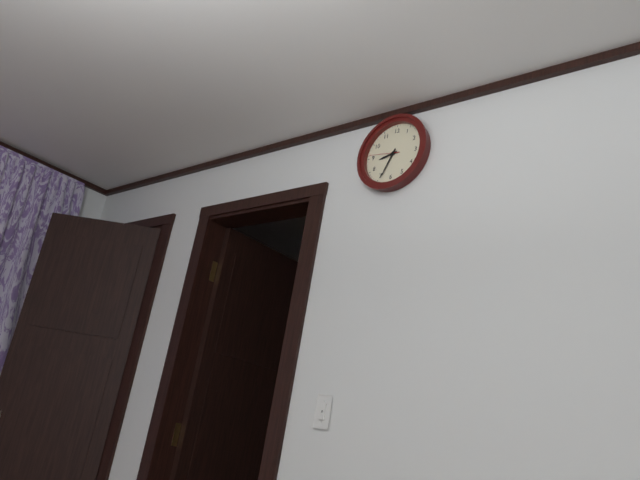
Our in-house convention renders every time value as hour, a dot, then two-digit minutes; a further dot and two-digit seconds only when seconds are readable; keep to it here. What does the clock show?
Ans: 8.34
